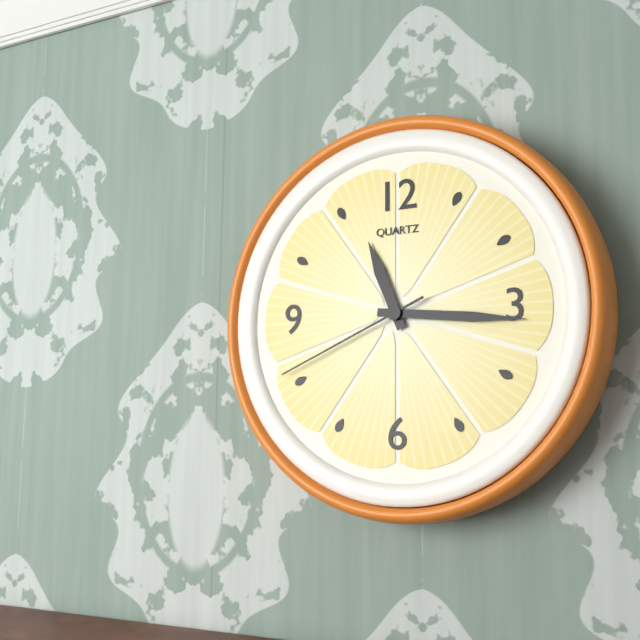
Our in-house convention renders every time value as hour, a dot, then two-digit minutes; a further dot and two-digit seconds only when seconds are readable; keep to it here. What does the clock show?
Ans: 11.16.41
